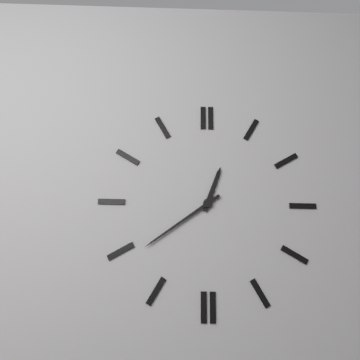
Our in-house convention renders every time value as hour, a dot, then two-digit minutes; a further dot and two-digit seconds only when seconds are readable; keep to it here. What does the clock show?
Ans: 12.39
